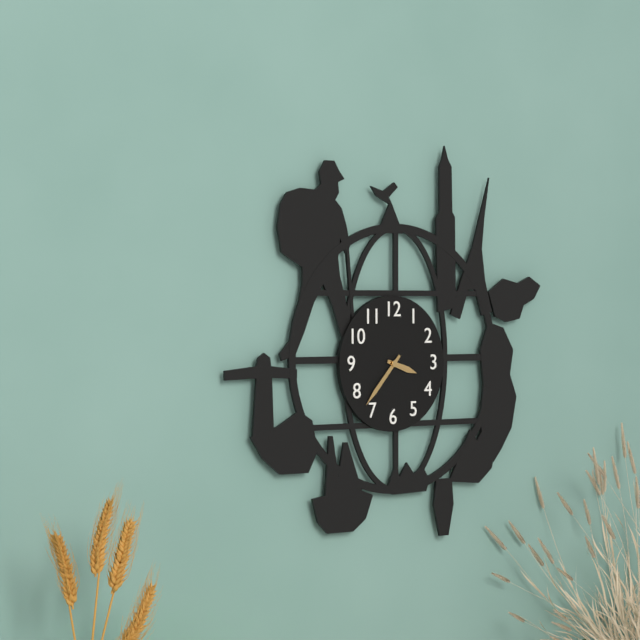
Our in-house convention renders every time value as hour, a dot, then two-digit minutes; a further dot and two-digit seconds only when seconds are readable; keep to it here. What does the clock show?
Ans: 3.37
